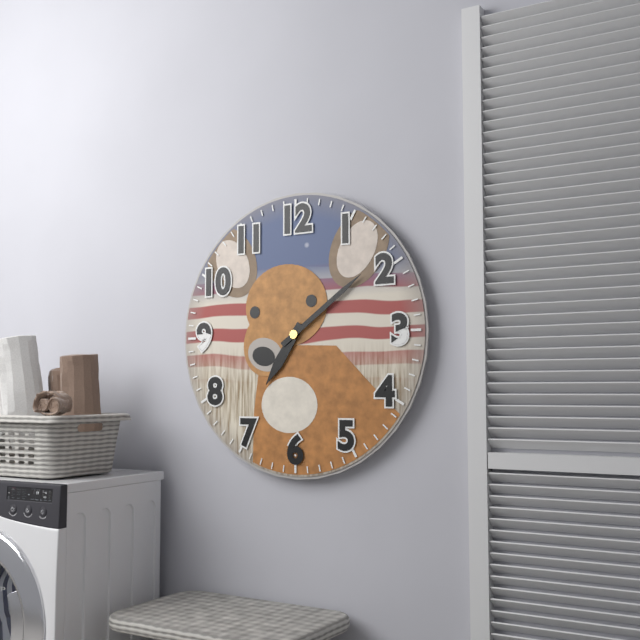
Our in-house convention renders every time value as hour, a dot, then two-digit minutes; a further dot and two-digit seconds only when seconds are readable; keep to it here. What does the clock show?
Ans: 7.09
